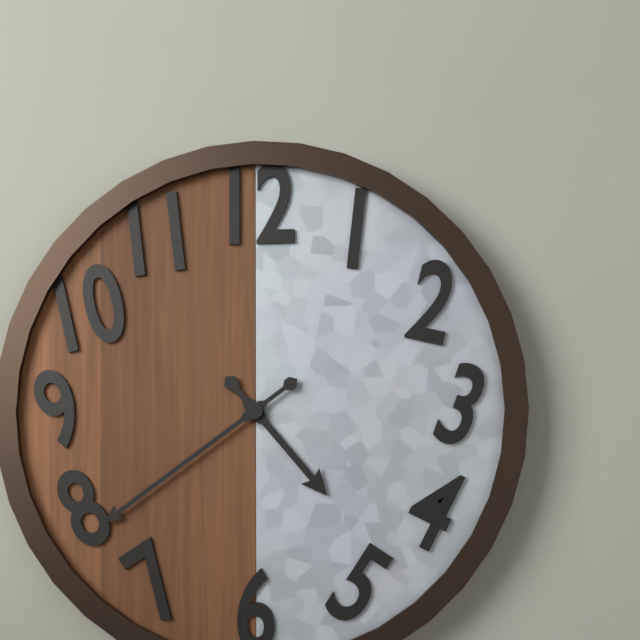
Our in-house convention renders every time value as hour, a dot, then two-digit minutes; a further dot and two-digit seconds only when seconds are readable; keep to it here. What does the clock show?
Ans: 4.39
